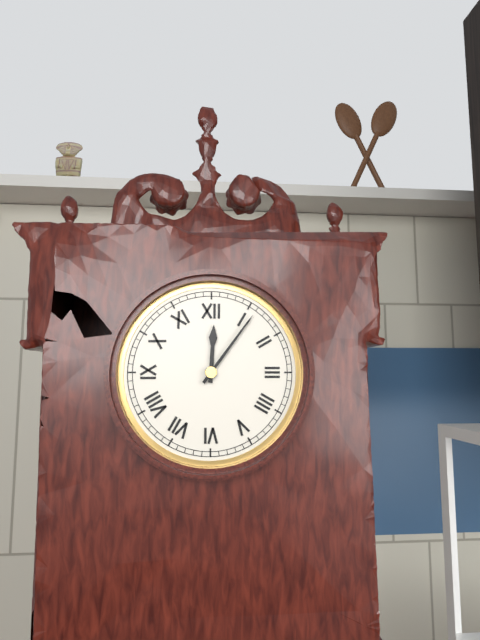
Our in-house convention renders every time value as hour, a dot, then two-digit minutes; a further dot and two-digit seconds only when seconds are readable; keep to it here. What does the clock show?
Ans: 12.06
